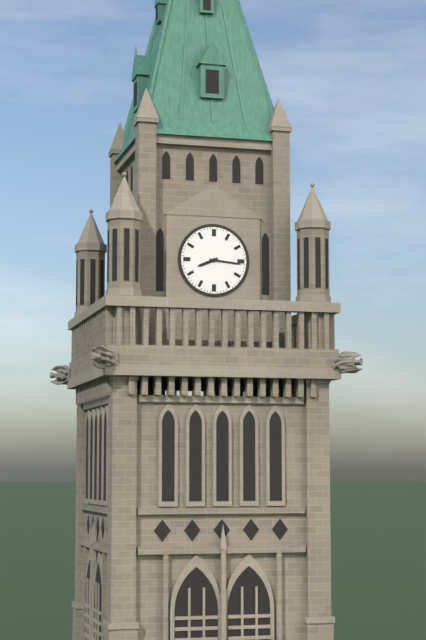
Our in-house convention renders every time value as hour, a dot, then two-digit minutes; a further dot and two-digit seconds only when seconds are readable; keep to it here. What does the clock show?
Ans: 8.16
